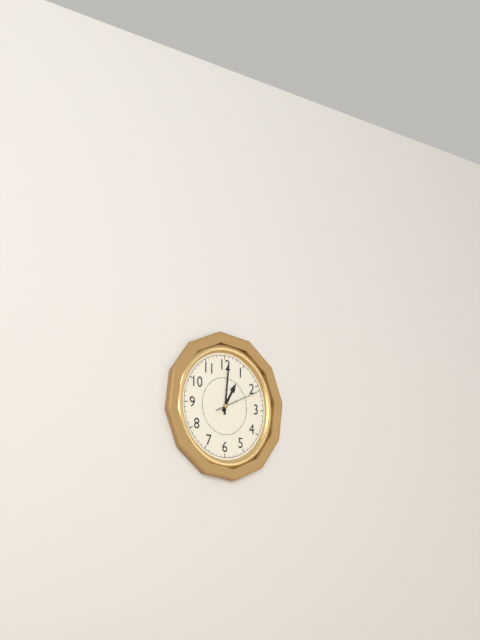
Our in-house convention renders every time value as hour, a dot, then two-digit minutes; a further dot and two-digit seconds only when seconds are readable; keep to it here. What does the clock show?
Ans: 1.01
